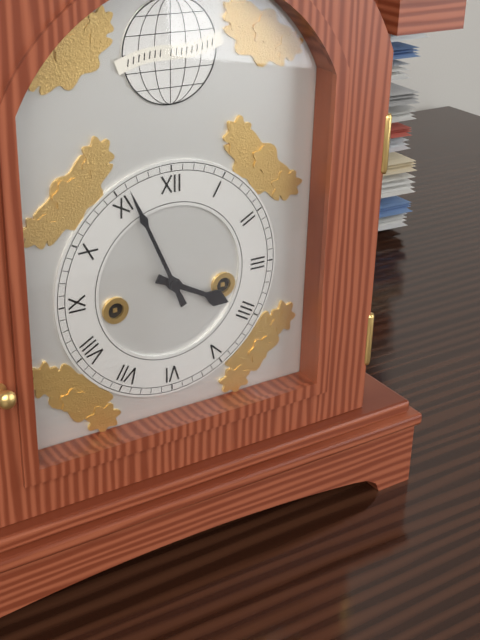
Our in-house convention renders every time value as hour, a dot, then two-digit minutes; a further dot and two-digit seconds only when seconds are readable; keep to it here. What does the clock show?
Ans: 3.56
